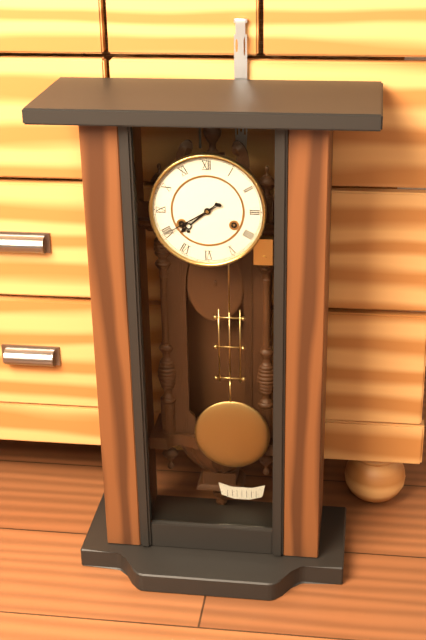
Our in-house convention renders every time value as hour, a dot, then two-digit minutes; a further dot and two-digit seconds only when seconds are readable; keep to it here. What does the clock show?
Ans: 7.40
